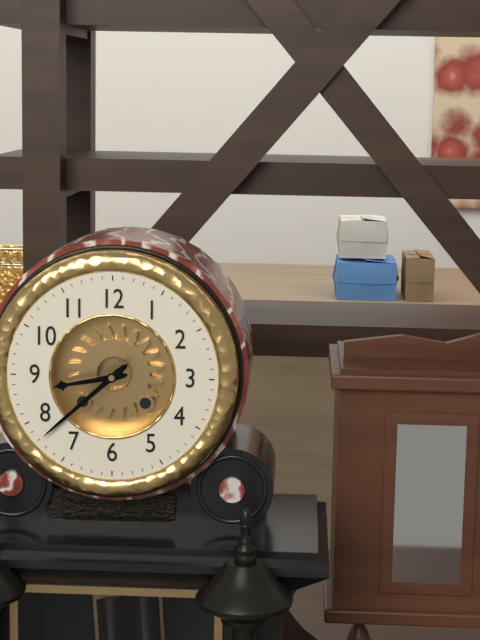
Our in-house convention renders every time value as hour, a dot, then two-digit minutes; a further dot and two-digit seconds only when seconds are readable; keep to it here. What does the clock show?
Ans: 8.38
